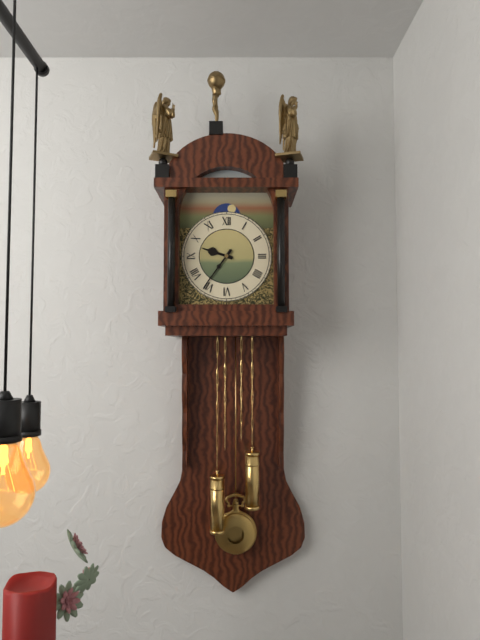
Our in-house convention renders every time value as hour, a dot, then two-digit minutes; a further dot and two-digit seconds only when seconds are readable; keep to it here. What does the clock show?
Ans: 9.36
